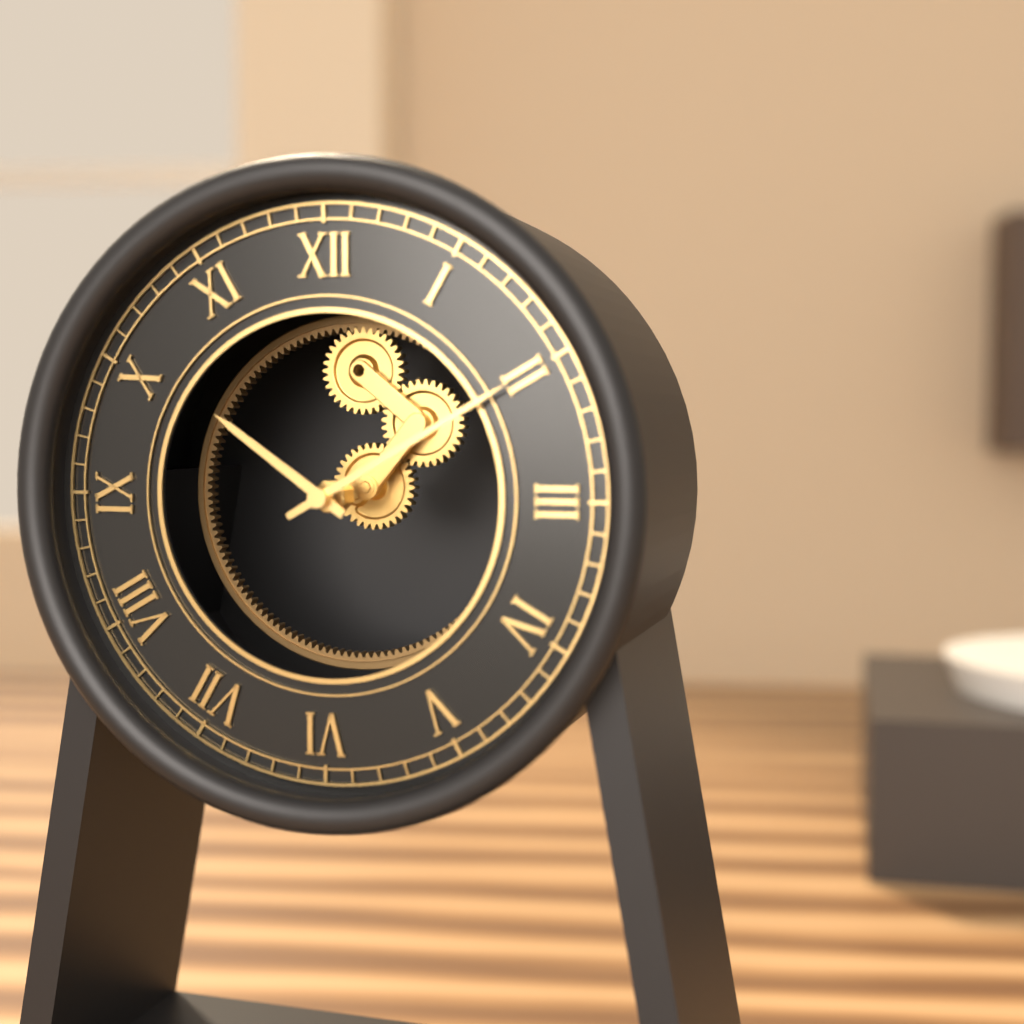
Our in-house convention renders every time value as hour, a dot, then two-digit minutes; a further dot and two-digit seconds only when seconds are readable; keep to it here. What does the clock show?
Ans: 10.10
